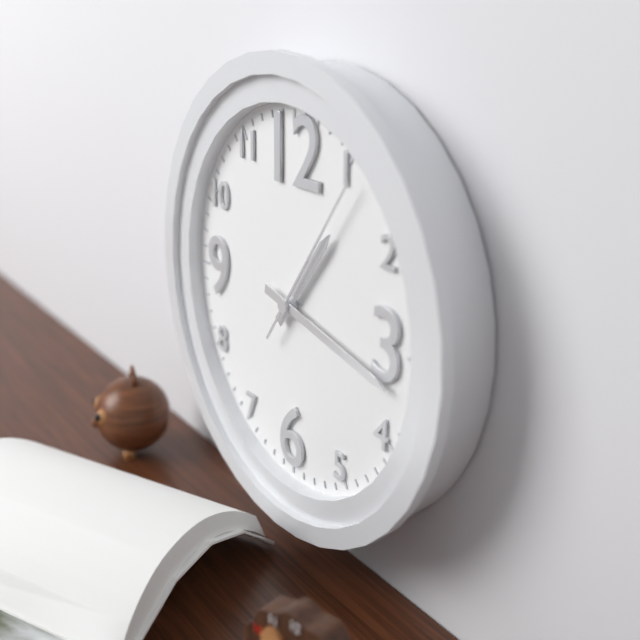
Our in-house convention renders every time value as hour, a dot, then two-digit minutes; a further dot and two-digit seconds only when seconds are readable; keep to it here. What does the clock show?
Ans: 1.17.06
